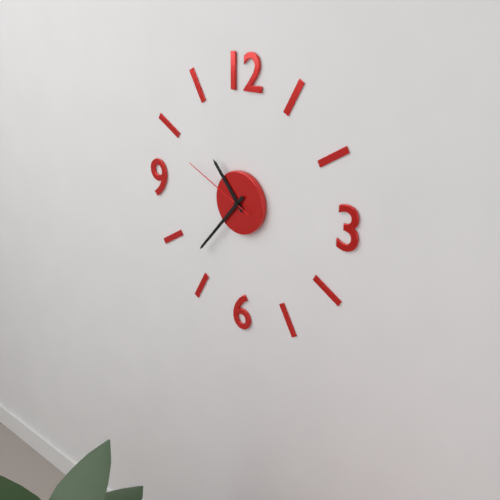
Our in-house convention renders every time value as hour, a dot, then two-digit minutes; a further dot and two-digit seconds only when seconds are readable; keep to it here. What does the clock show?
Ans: 10.37.49
